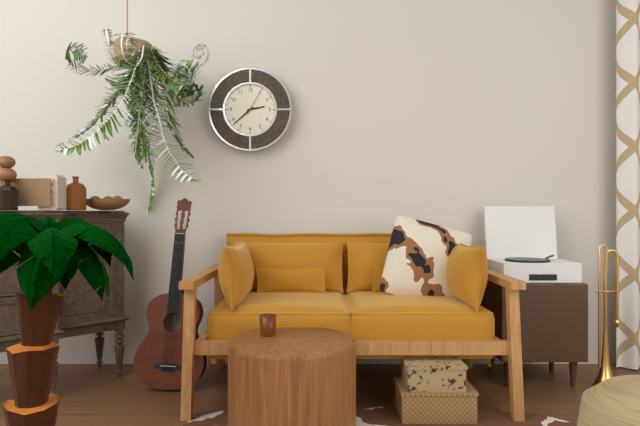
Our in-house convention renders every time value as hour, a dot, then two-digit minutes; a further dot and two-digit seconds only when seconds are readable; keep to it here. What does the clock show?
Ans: 2.38
